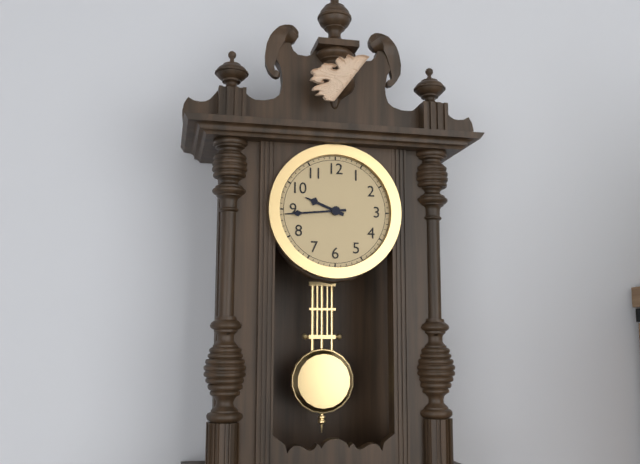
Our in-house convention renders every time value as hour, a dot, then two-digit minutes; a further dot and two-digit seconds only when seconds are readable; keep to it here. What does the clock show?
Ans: 9.44
